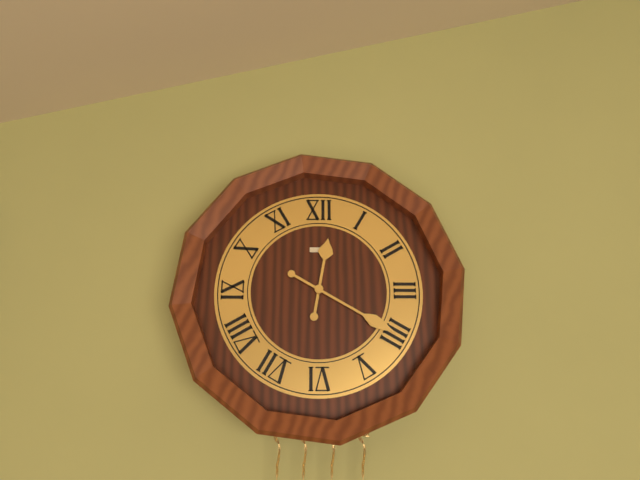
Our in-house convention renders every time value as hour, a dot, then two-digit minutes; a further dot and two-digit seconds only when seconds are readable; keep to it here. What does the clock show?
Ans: 12.20
